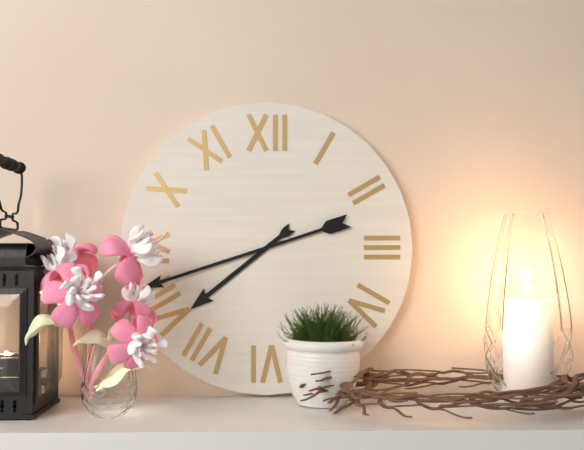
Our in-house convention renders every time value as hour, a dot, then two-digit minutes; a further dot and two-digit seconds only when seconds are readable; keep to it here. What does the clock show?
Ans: 7.42
